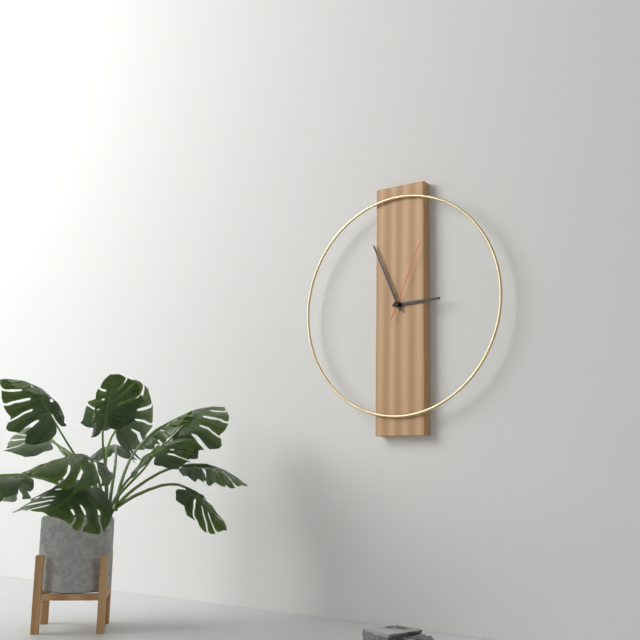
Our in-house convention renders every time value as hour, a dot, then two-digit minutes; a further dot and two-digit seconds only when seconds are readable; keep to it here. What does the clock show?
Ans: 2.56.04
